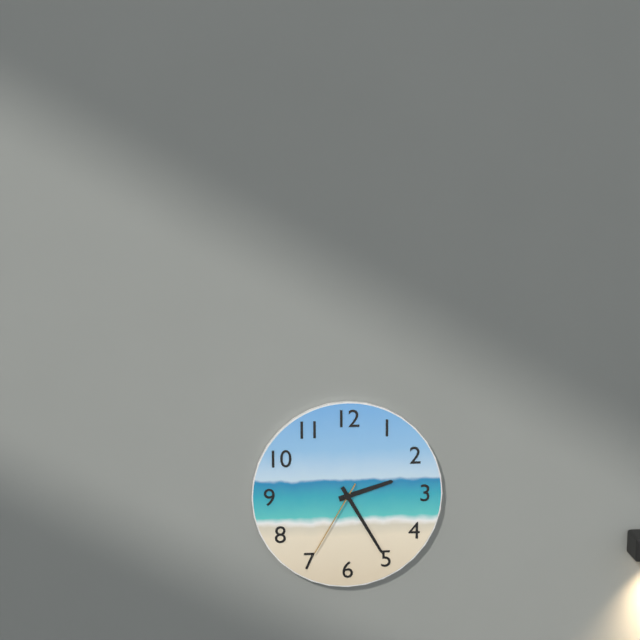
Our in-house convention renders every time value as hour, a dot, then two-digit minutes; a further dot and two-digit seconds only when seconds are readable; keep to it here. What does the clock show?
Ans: 2.25.35
